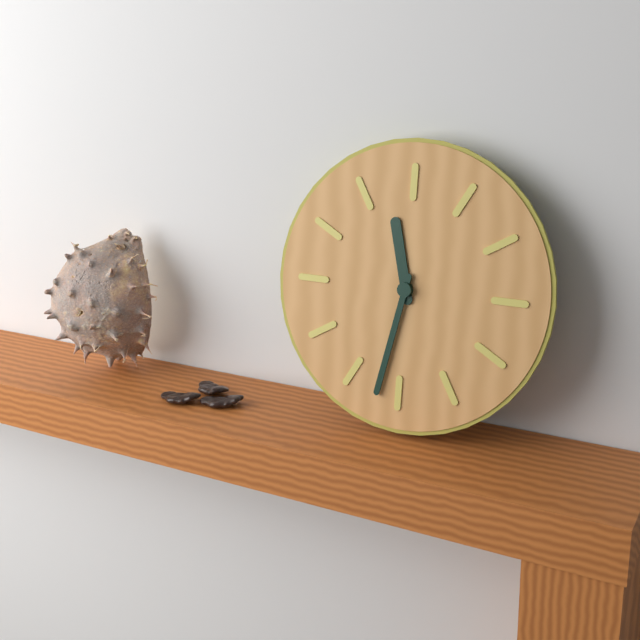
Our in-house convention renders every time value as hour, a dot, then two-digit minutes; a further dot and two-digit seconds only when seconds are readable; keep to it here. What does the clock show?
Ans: 11.32
